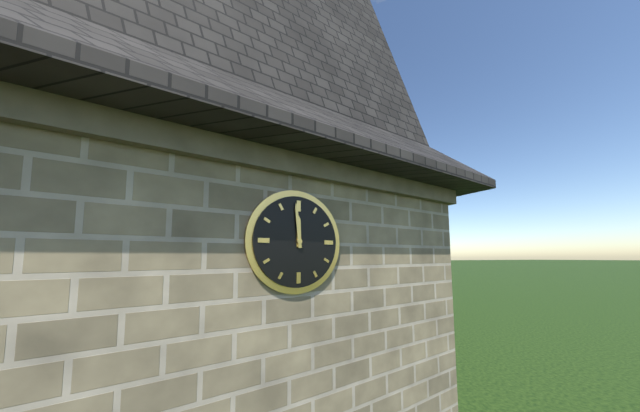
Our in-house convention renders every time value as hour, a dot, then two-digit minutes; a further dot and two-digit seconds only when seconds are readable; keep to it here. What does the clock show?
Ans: 11.59
